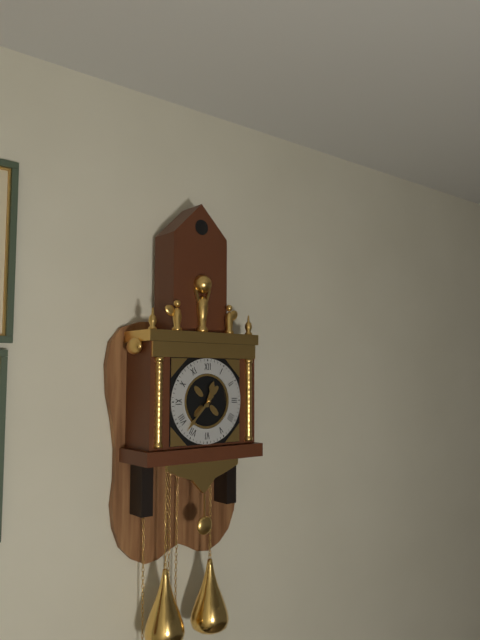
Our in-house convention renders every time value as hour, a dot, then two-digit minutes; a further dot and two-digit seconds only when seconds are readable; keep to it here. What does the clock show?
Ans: 12.37
